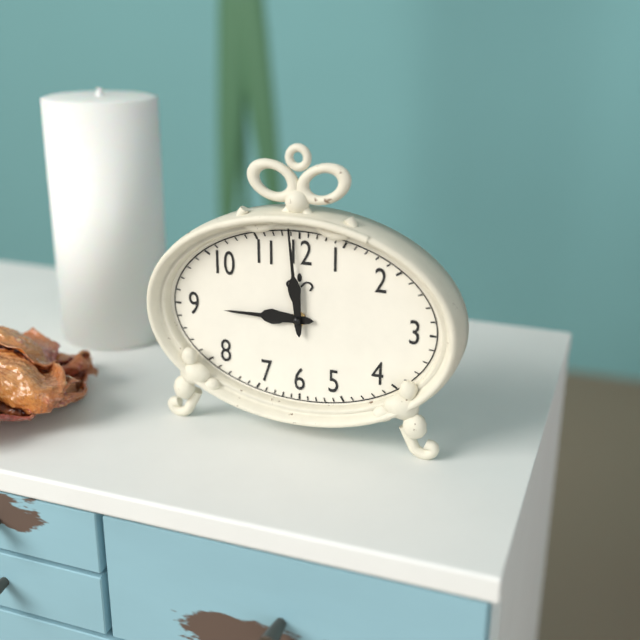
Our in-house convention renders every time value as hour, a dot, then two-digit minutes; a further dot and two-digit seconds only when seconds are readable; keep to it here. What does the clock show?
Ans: 8.59
